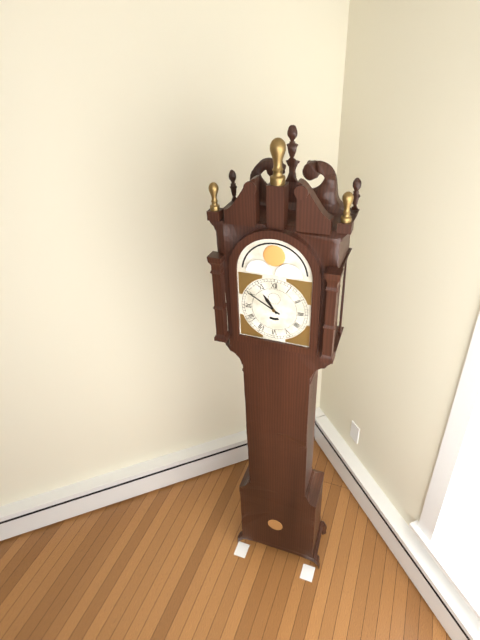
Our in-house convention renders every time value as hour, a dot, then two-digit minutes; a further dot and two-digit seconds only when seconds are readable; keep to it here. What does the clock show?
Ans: 10.50
